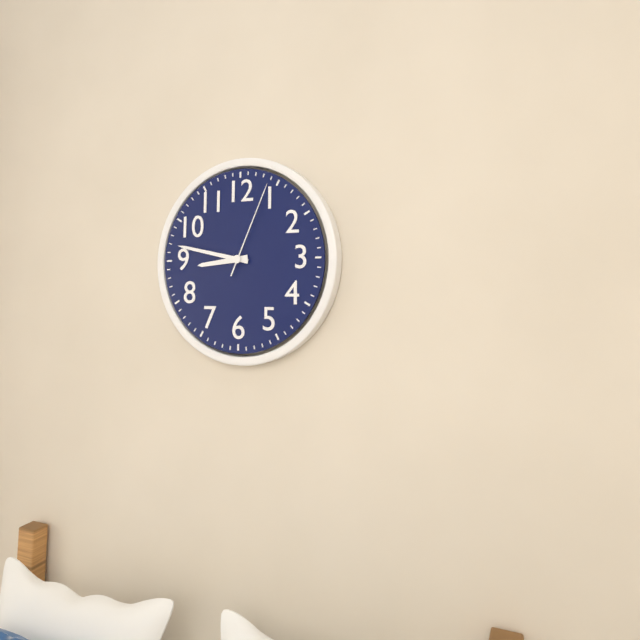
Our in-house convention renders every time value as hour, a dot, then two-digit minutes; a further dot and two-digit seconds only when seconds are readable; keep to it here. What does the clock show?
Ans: 8.47.04
